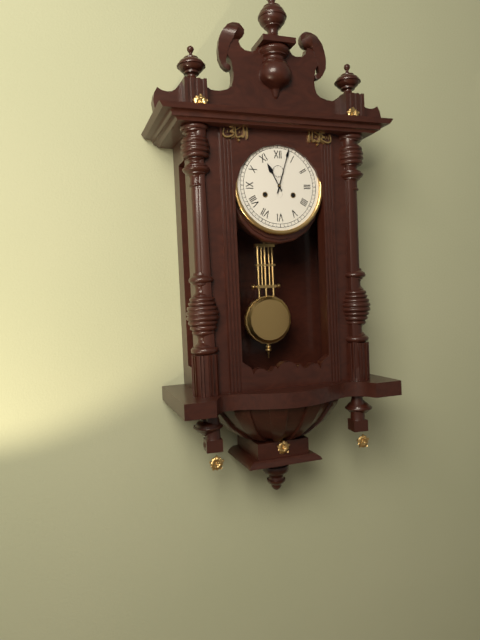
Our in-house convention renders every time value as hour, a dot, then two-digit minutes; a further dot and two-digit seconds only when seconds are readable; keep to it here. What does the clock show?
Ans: 11.03
